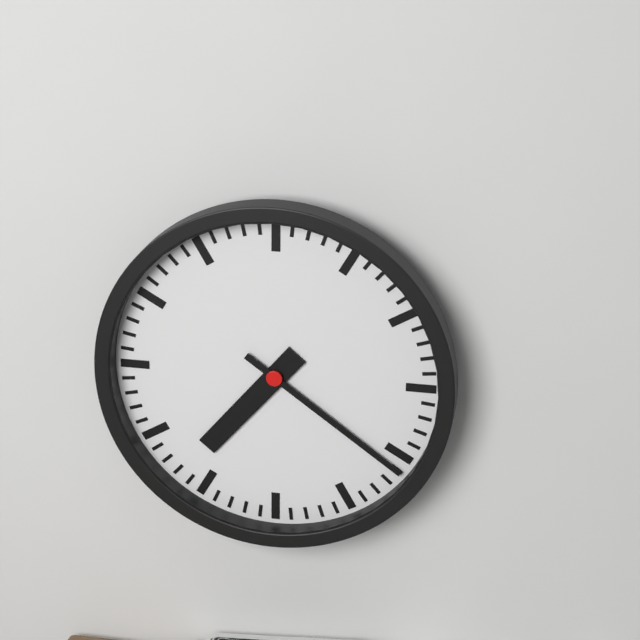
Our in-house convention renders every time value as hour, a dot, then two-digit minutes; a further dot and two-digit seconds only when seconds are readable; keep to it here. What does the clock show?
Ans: 7.21
